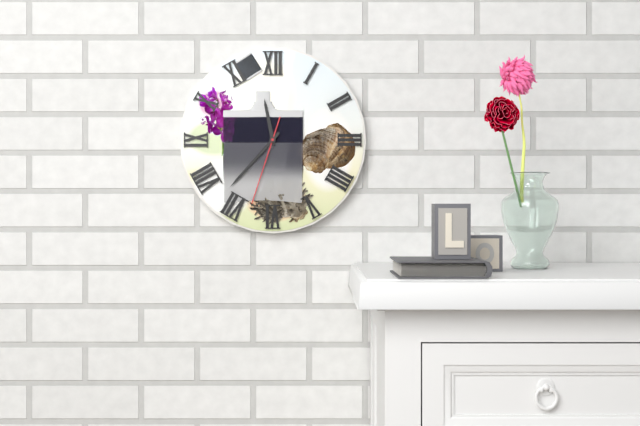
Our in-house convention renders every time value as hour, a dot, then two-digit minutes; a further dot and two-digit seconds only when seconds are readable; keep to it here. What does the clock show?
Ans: 11.37.33
